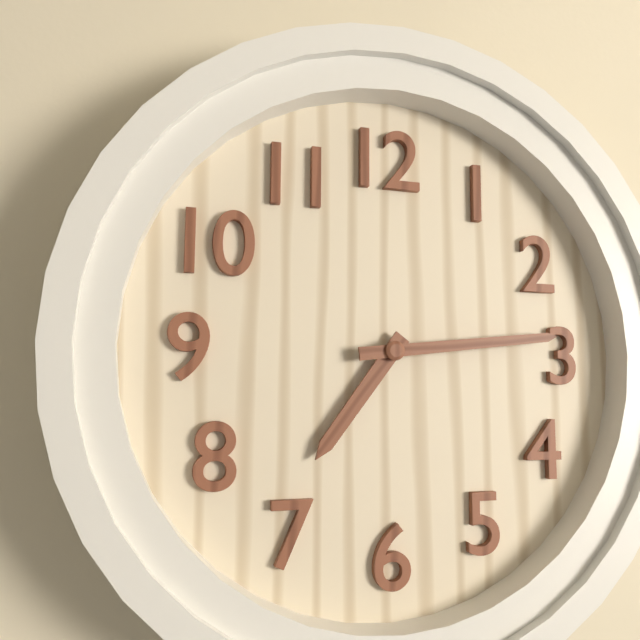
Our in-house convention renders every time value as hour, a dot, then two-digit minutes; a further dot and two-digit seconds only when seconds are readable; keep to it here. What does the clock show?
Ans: 7.14
